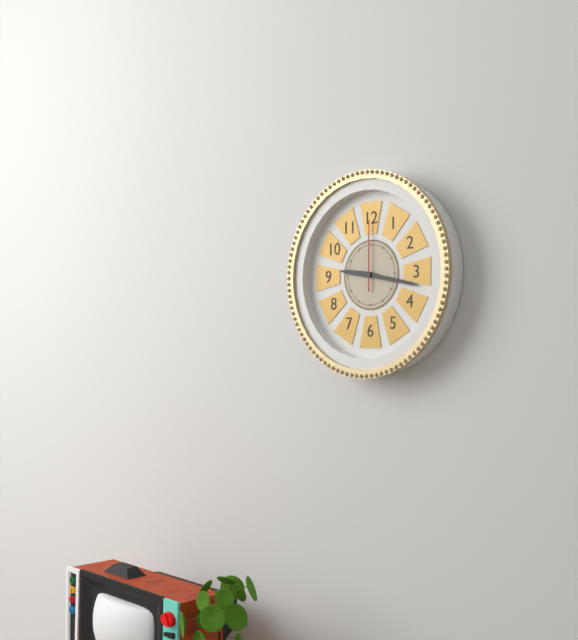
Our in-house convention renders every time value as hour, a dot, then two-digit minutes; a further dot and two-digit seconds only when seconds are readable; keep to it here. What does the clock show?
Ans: 9.17.00
